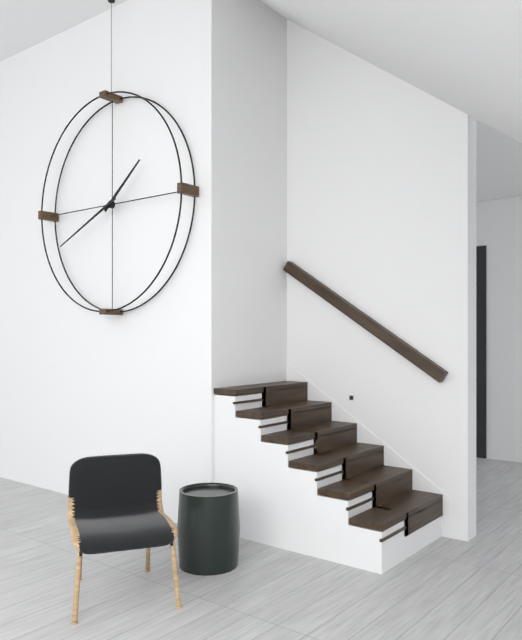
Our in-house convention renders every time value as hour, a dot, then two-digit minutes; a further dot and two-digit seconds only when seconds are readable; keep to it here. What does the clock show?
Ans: 1.41
